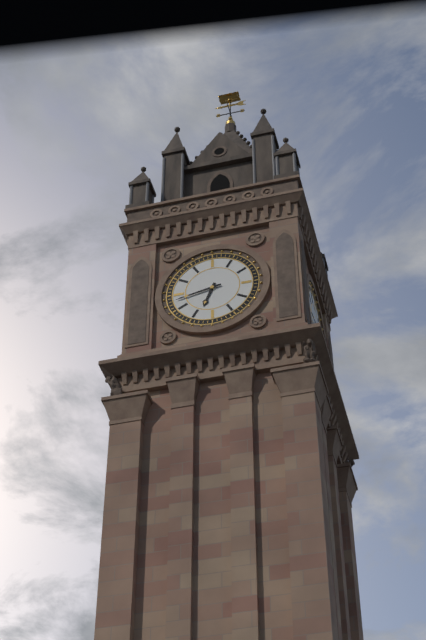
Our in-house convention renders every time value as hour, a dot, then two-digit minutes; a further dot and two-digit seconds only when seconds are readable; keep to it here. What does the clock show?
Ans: 6.43
